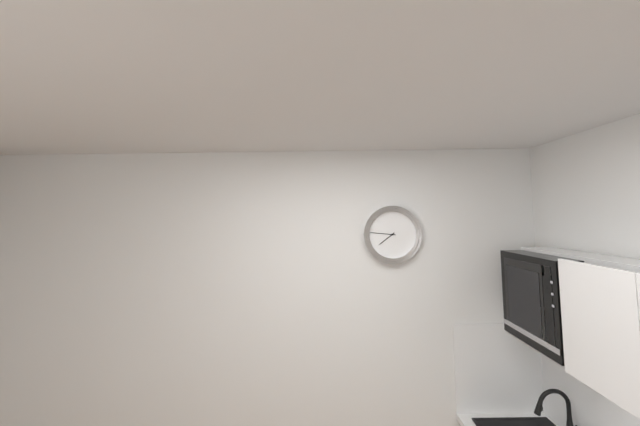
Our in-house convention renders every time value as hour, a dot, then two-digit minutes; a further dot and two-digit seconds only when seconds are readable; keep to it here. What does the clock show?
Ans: 7.46
